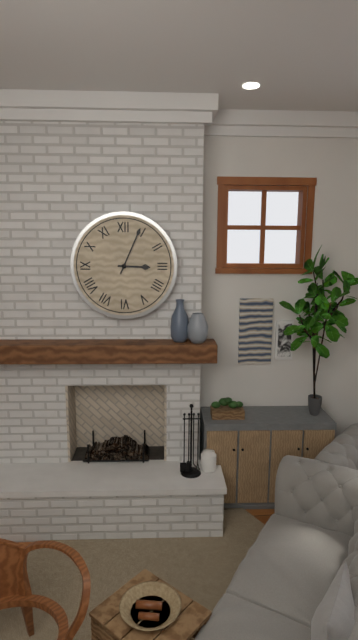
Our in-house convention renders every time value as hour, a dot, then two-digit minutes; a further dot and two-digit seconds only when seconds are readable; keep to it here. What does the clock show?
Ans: 3.04
